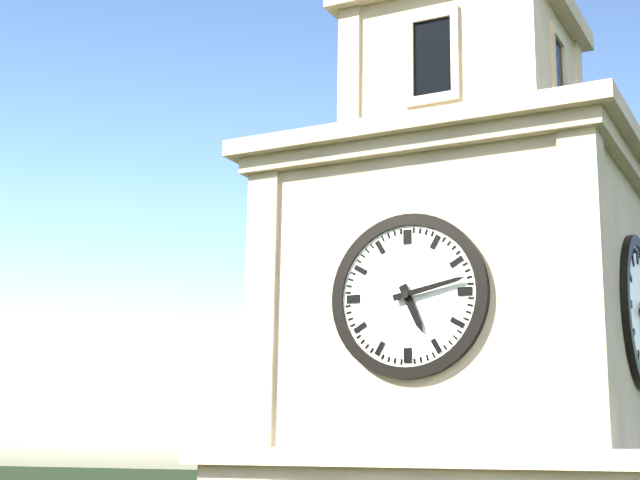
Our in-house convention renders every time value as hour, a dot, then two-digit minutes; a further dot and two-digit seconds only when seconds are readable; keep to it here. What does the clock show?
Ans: 5.13
